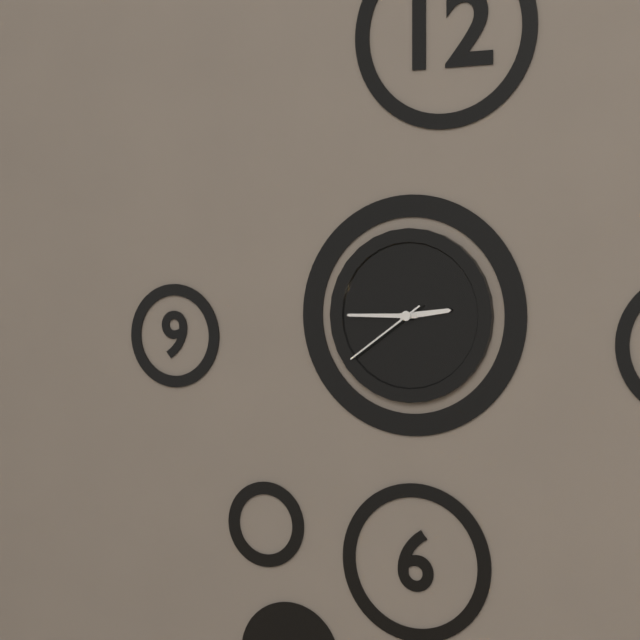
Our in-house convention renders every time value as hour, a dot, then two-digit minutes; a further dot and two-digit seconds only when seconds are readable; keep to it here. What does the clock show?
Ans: 2.45.39
